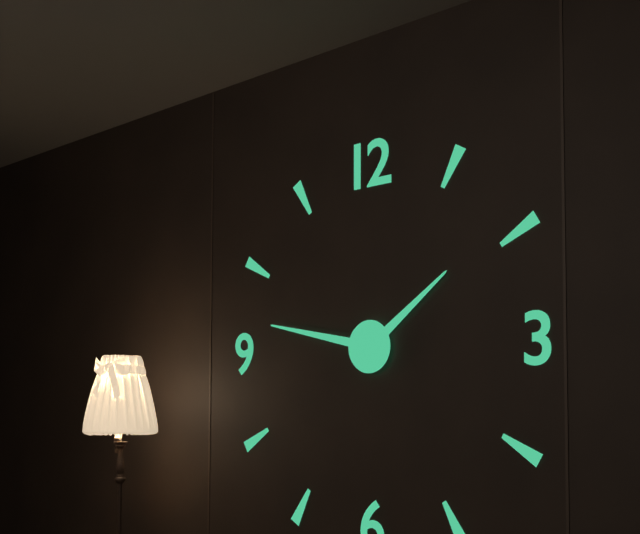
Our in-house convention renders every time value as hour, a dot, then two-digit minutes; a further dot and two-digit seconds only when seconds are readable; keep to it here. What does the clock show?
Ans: 1.47
